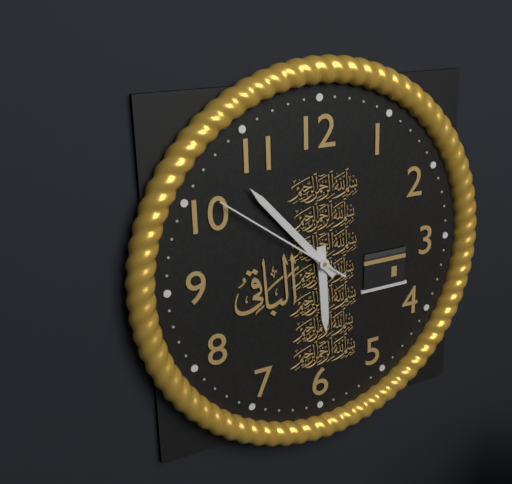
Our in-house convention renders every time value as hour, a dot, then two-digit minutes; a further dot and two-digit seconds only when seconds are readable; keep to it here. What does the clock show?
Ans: 5.53.51
